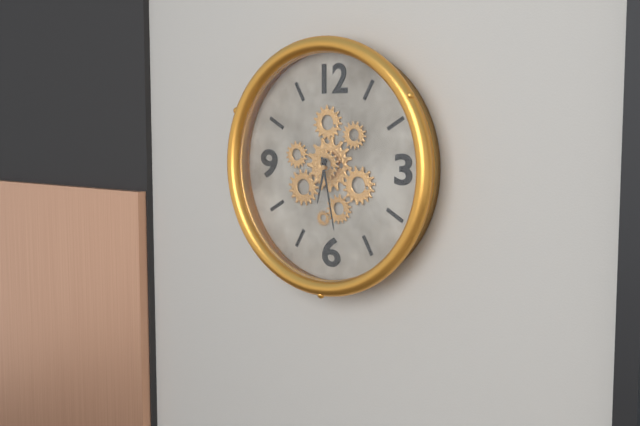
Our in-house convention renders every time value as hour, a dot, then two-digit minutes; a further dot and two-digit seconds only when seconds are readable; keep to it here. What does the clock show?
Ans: 6.28
